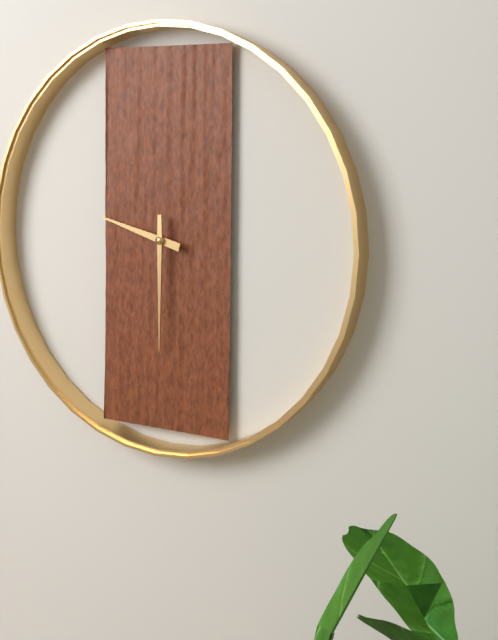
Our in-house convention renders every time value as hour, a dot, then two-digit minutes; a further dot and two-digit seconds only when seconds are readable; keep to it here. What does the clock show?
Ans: 9.30
